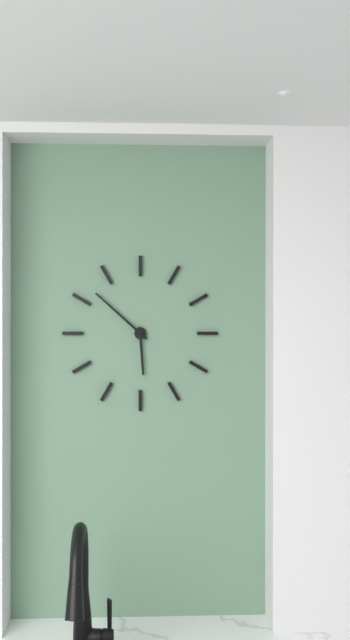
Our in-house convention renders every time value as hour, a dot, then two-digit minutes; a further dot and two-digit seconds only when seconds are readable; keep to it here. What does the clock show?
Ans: 5.52
